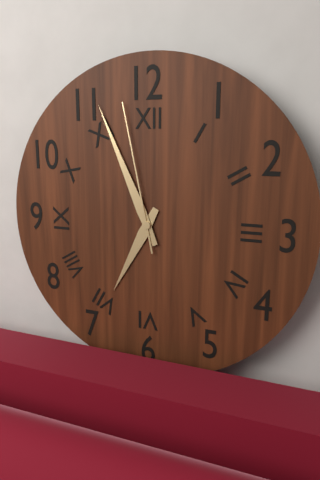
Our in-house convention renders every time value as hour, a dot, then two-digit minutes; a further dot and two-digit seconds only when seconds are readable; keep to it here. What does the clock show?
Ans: 6.56.58
